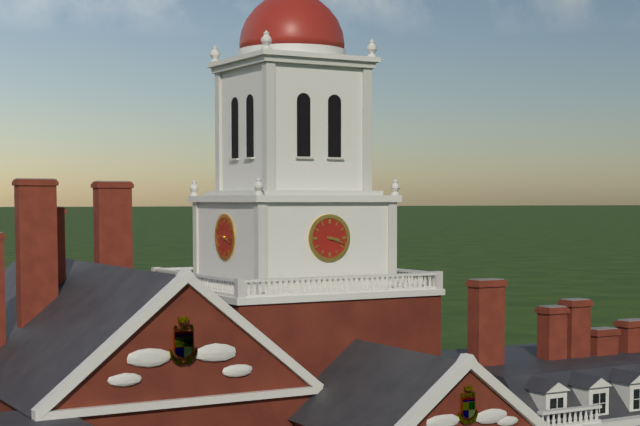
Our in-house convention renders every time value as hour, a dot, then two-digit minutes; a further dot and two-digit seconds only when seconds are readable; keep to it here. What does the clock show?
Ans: 3.18
